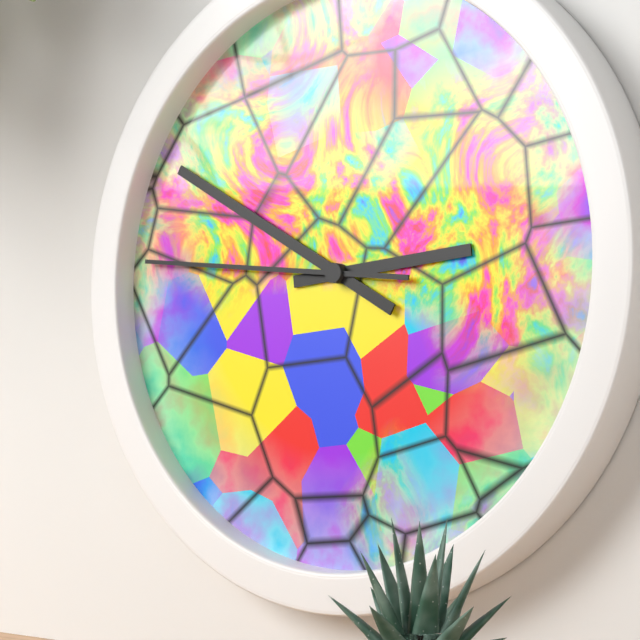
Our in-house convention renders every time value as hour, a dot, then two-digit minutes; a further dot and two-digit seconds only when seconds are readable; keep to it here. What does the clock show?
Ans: 2.50.46
